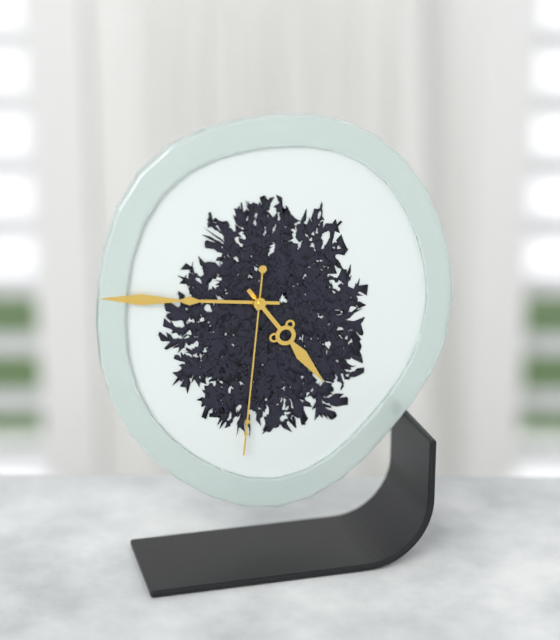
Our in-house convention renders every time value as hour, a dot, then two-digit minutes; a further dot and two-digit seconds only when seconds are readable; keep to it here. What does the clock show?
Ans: 4.46.31
